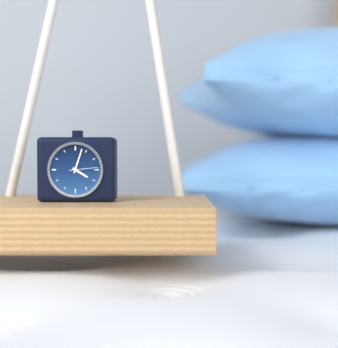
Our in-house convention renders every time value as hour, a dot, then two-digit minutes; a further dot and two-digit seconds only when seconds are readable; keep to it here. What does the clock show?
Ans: 4.03
